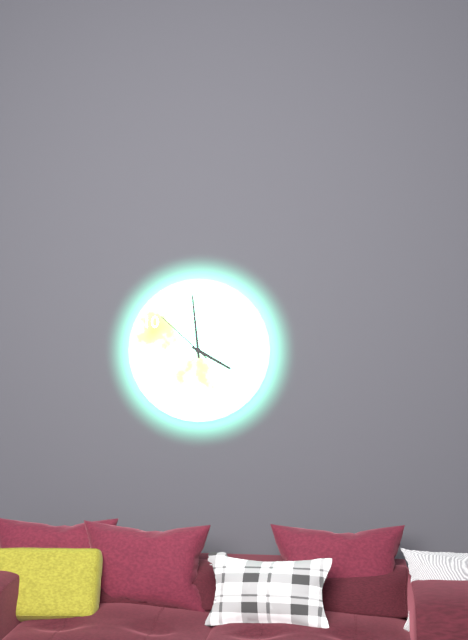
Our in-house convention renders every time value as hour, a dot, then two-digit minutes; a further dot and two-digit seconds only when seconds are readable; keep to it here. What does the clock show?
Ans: 3.59.52
